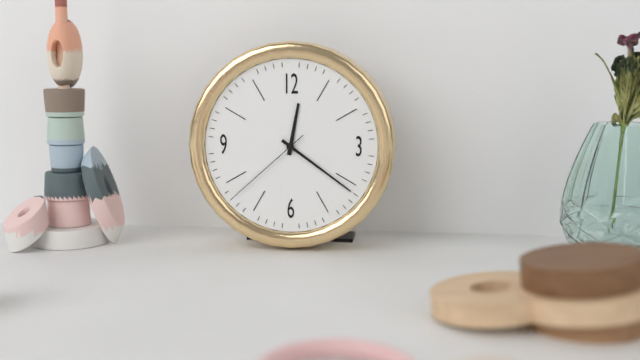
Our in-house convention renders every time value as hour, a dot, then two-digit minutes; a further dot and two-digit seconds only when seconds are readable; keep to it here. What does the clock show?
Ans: 12.21.38
